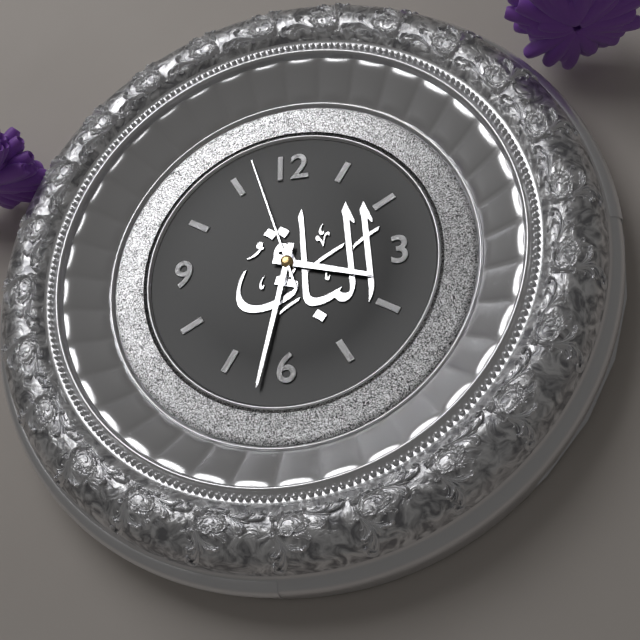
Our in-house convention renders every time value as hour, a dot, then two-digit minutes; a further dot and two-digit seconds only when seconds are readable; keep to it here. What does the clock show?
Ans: 3.32.57
